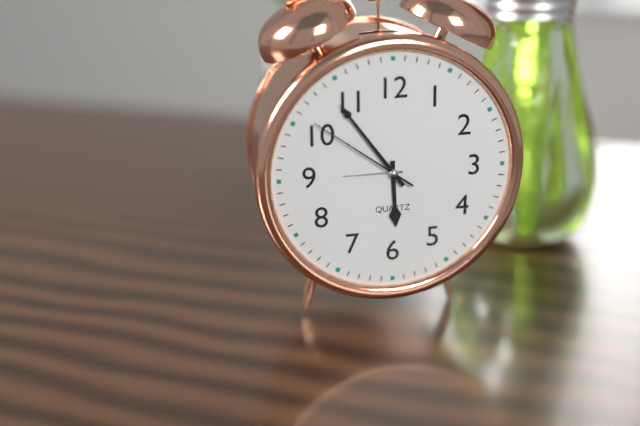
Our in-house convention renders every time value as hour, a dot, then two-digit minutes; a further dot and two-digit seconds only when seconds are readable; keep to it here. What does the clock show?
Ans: 5.54.51
